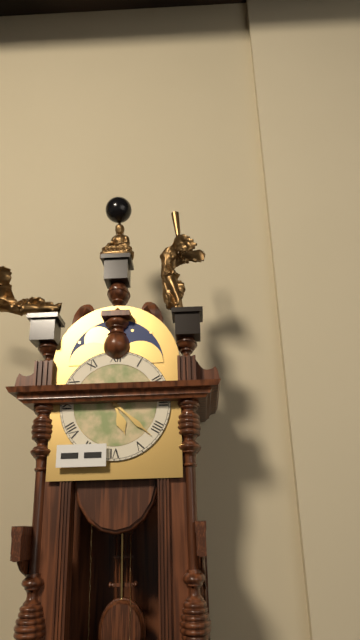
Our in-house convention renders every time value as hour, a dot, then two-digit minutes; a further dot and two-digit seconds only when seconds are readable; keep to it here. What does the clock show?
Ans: 5.22
